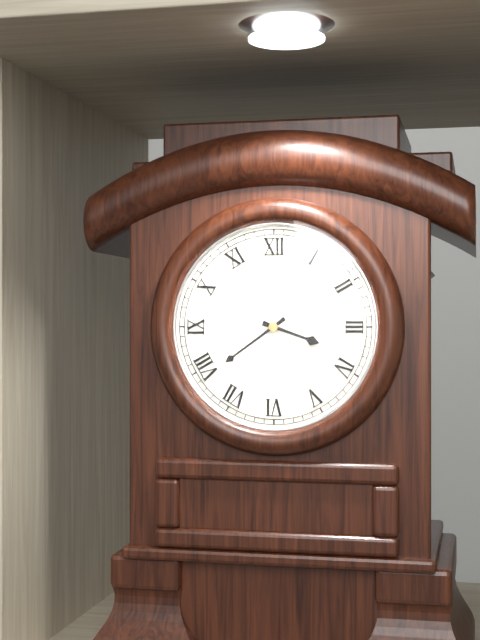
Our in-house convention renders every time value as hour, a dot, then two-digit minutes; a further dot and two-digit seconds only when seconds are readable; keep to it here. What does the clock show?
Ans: 3.39
